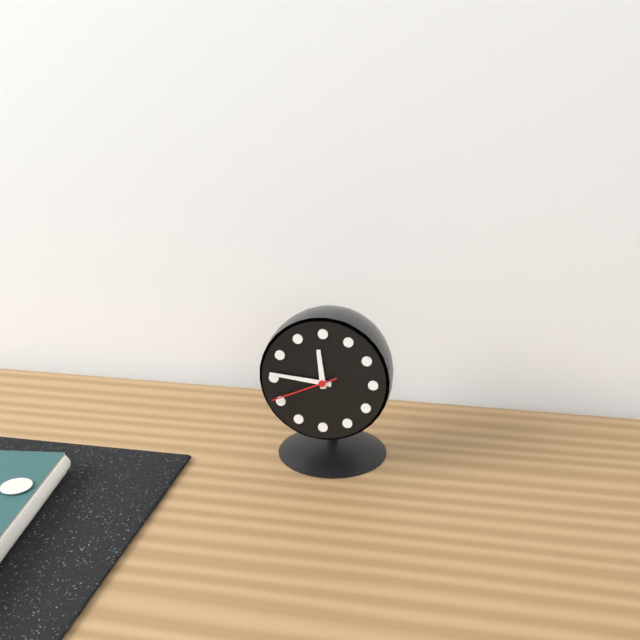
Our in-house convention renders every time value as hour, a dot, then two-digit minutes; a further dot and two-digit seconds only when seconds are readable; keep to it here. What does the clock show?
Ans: 11.46.41
